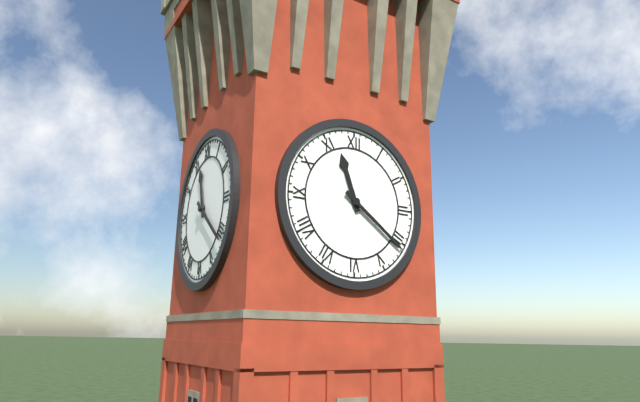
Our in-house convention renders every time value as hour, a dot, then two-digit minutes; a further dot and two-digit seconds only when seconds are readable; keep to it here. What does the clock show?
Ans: 11.21
